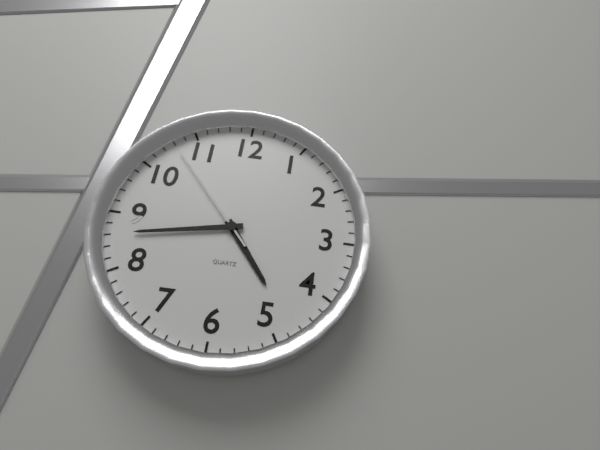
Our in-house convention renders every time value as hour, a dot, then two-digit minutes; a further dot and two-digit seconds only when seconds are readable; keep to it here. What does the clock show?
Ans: 4.43.53
